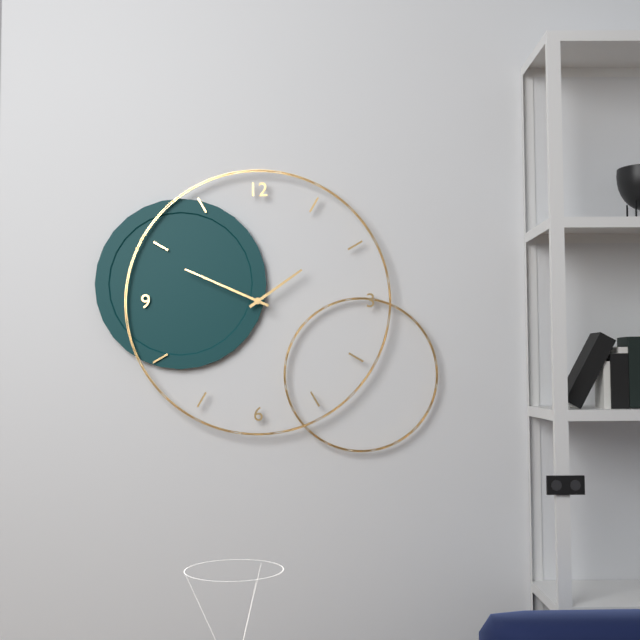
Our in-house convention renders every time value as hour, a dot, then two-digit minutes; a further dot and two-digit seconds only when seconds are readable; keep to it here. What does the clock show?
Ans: 1.49
